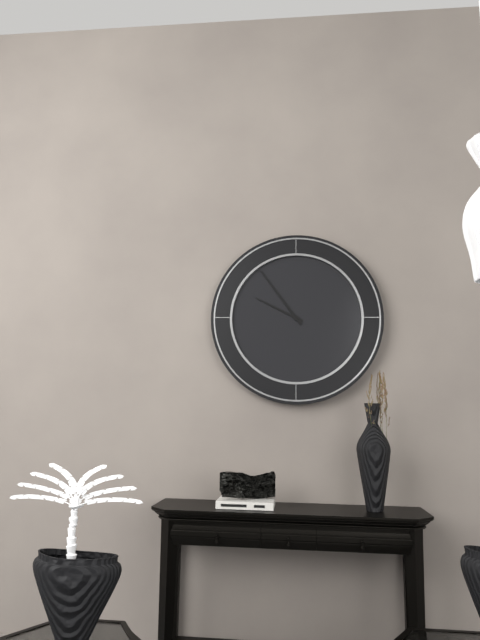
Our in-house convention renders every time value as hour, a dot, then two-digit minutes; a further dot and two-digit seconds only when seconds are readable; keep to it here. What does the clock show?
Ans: 9.54
